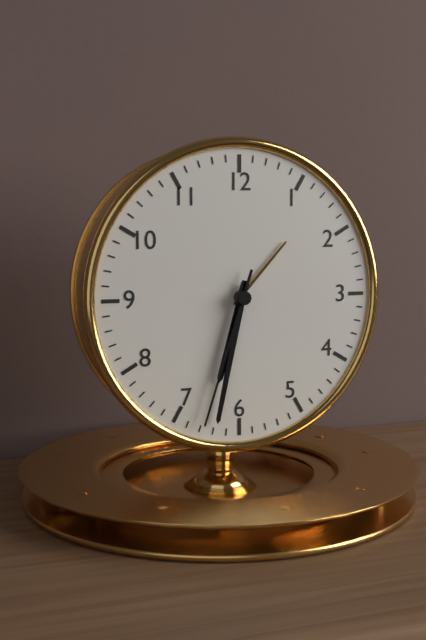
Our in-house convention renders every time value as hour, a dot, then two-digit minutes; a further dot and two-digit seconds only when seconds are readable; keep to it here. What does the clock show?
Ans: 6.32.33
